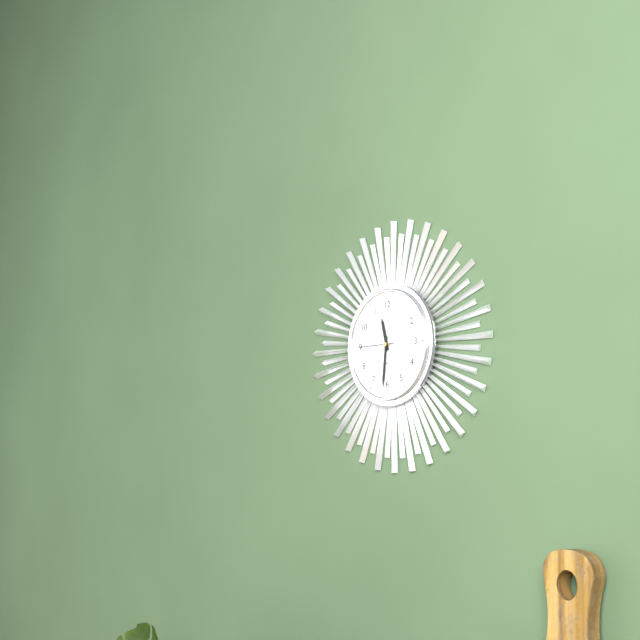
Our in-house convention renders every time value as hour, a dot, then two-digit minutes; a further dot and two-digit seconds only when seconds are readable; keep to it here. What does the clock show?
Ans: 11.31
